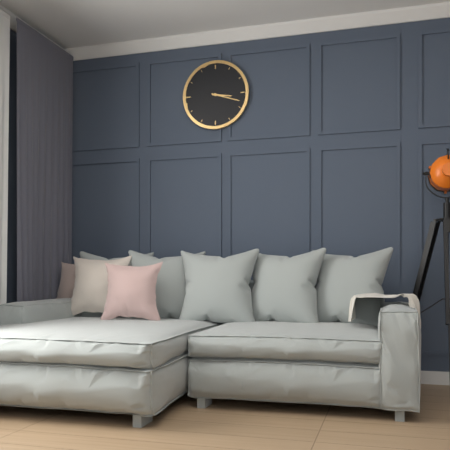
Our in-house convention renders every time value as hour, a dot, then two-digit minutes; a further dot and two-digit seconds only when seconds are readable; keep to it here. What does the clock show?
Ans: 3.18
